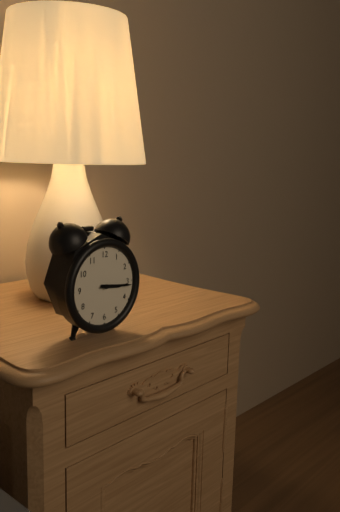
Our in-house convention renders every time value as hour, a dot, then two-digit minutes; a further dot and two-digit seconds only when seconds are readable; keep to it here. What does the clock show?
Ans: 3.16
